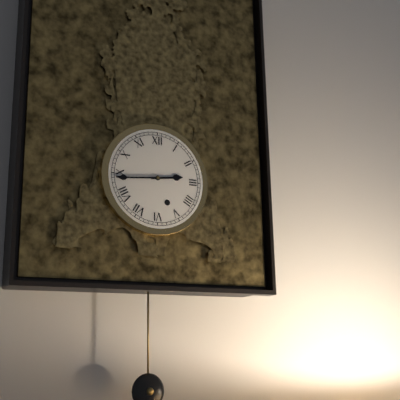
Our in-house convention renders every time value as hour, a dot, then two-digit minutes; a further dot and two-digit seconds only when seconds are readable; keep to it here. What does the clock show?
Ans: 2.44
